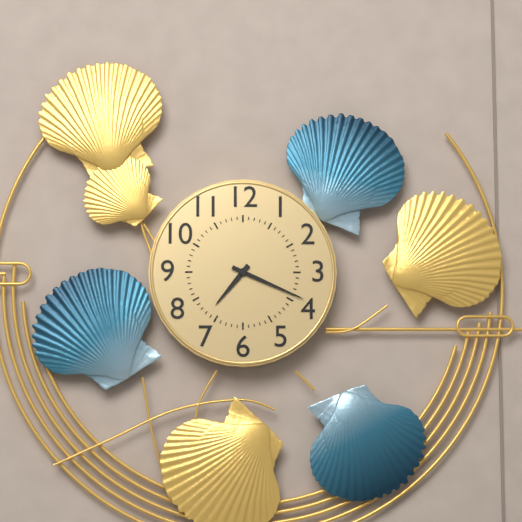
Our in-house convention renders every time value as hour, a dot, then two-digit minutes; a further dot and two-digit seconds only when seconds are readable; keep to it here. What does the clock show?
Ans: 7.19
